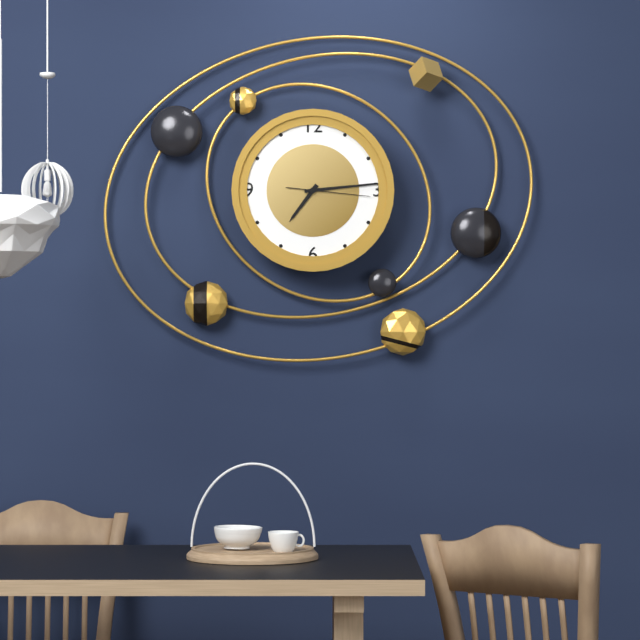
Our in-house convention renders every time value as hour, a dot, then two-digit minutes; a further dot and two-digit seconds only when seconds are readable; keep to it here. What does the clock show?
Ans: 7.14.16
